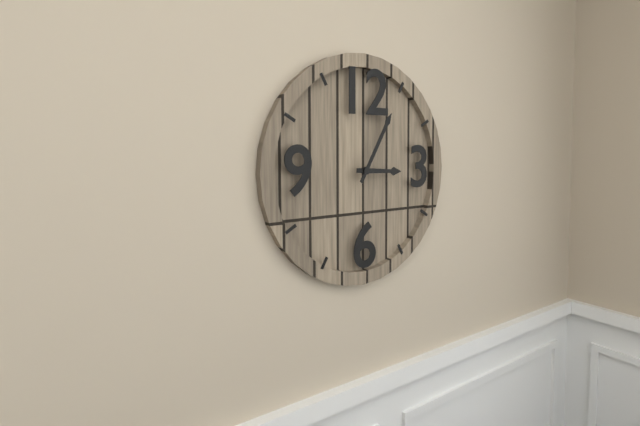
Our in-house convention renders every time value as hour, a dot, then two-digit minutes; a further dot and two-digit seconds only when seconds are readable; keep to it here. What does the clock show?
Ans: 3.05
